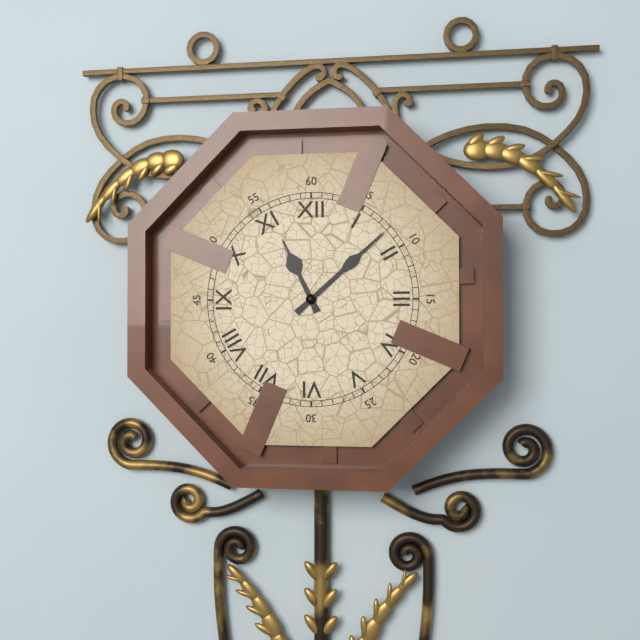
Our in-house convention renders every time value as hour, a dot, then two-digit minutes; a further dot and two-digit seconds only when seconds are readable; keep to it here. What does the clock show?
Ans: 11.08
